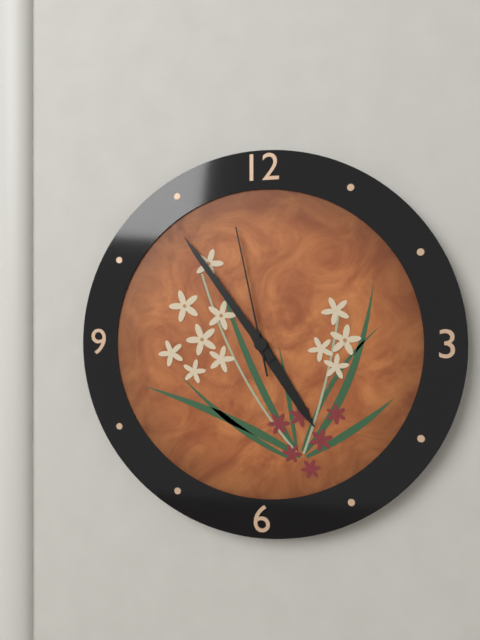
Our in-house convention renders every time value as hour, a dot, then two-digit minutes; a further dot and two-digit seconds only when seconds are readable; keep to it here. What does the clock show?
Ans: 4.54.58
